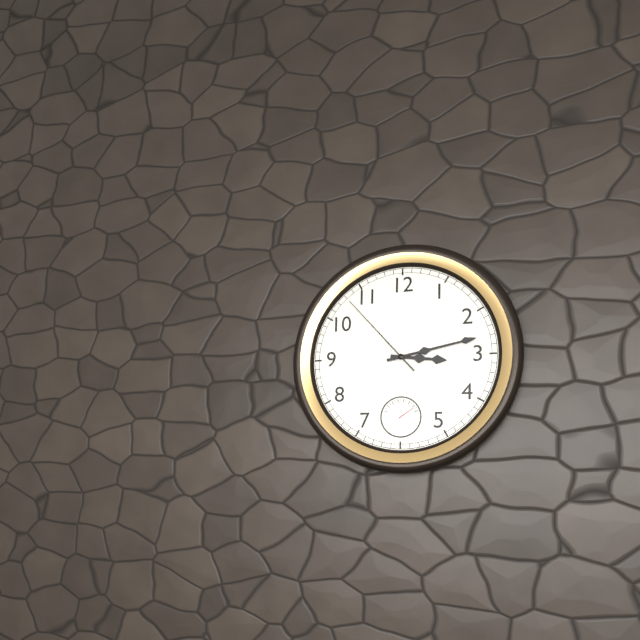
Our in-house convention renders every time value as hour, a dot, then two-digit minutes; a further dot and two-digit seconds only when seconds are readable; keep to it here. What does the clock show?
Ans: 3.13.53
